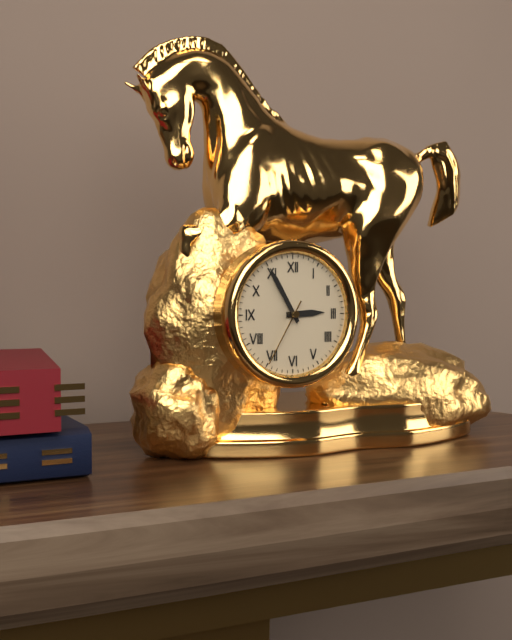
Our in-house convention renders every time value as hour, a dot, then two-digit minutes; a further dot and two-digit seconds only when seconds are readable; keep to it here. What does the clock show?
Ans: 2.55.35
